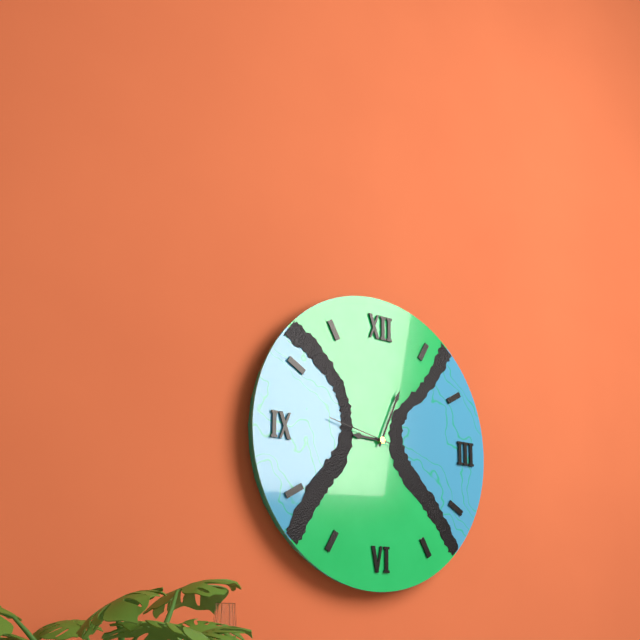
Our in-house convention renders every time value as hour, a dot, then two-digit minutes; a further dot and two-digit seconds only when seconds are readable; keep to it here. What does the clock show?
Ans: 9.04.47
